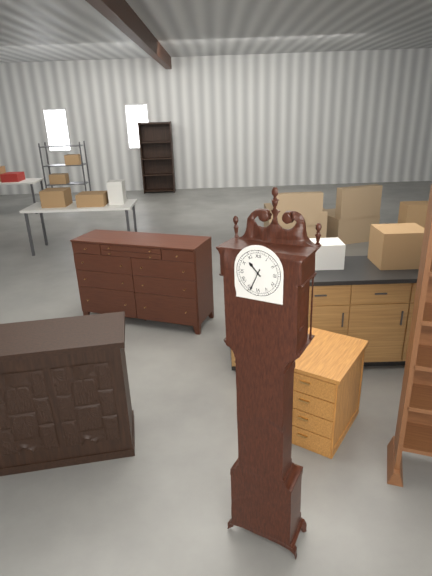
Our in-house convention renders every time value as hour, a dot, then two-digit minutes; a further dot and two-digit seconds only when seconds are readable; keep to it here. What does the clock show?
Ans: 10.34
